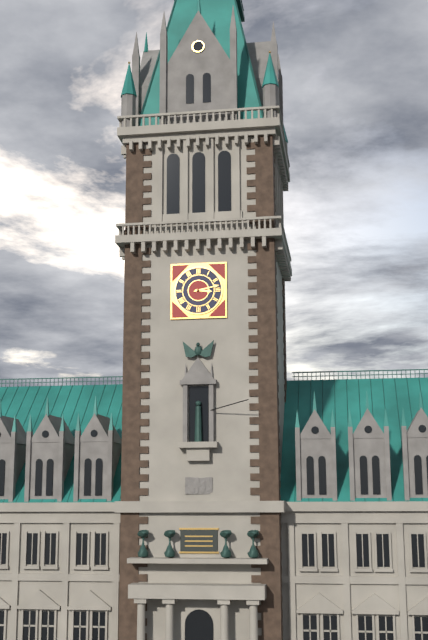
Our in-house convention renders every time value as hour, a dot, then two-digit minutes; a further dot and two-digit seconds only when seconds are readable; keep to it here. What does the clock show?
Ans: 3.13
